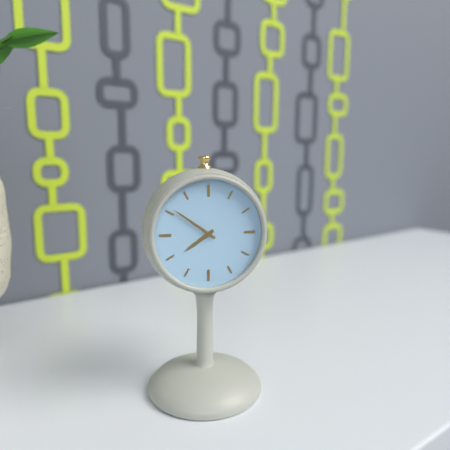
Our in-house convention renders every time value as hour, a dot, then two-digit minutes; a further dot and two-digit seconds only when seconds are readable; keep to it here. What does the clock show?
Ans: 7.51
